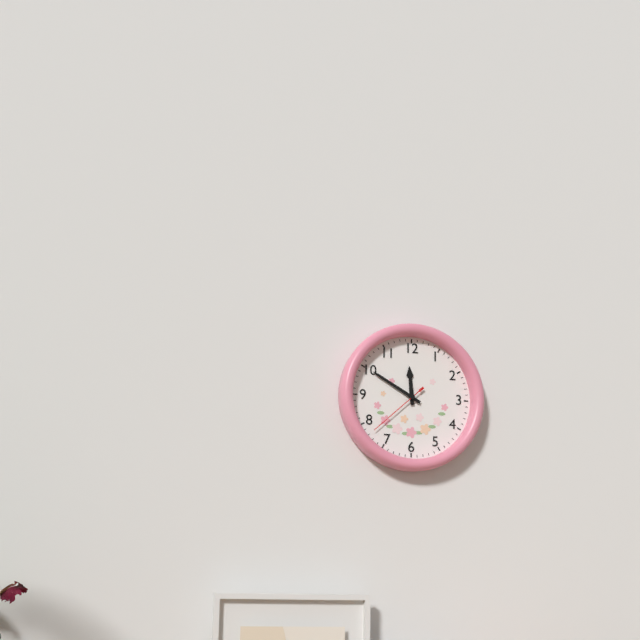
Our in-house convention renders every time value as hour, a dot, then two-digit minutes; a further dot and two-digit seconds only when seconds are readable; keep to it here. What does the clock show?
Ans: 11.50.38
